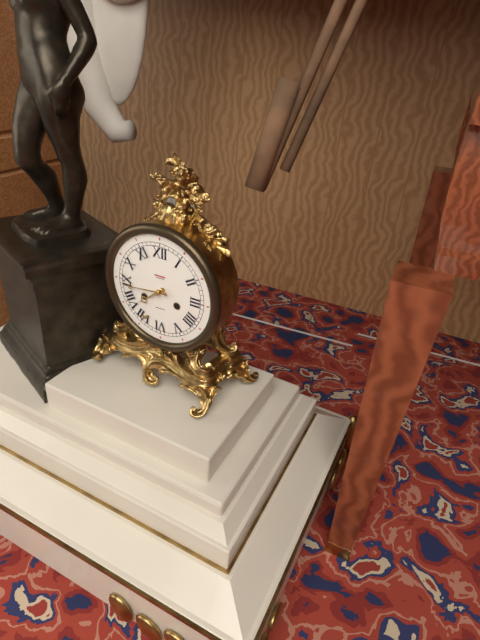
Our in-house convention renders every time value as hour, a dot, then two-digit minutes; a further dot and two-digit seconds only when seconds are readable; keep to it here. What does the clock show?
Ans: 7.44
